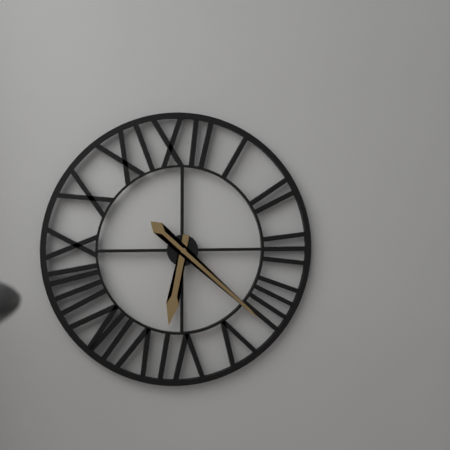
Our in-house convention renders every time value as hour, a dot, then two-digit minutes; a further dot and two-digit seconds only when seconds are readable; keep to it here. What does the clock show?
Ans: 6.22
